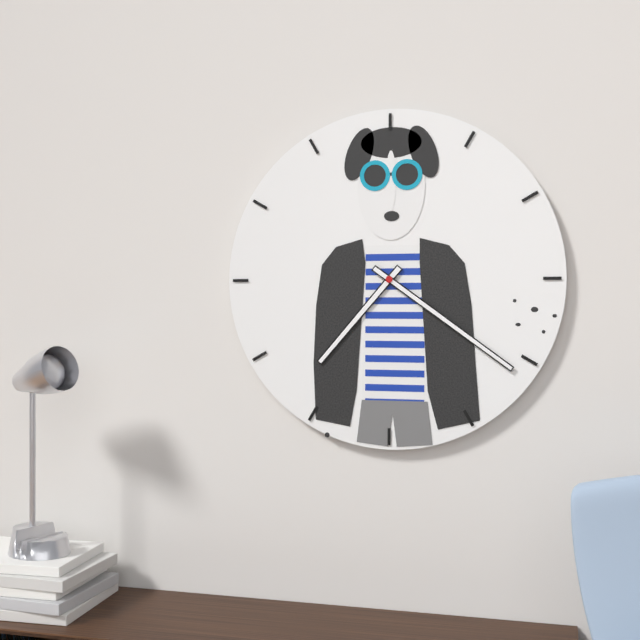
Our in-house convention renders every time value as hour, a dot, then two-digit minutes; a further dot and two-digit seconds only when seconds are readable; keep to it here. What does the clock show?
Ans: 7.21
